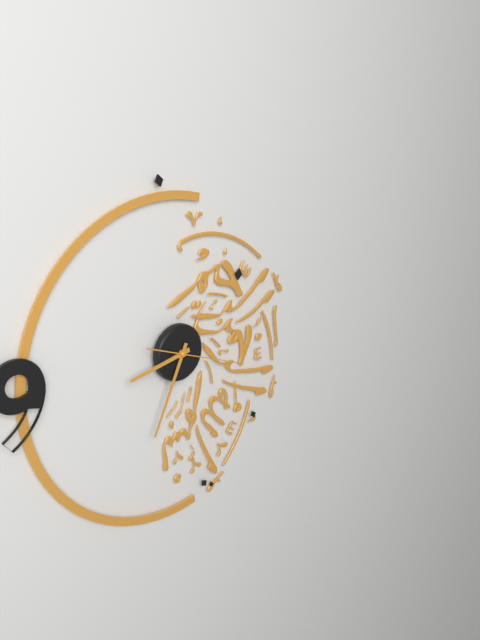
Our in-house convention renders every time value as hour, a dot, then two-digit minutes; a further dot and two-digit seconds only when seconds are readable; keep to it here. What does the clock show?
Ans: 8.34.18
